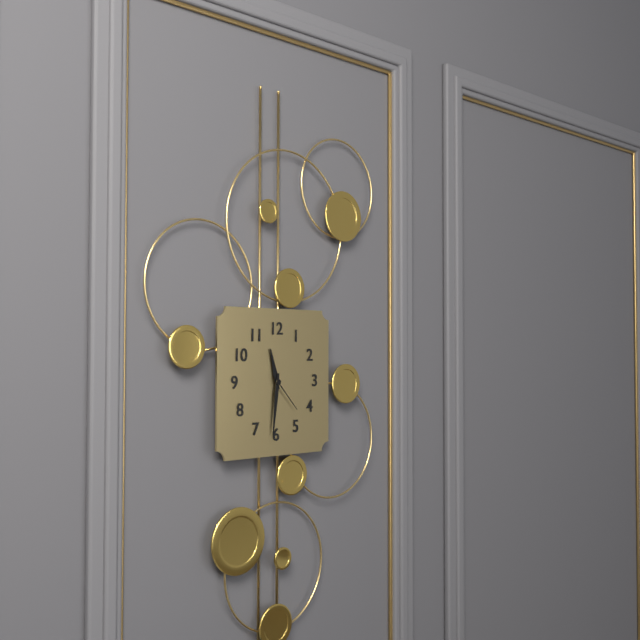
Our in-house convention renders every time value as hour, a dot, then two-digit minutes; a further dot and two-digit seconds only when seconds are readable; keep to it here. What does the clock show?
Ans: 11.31
